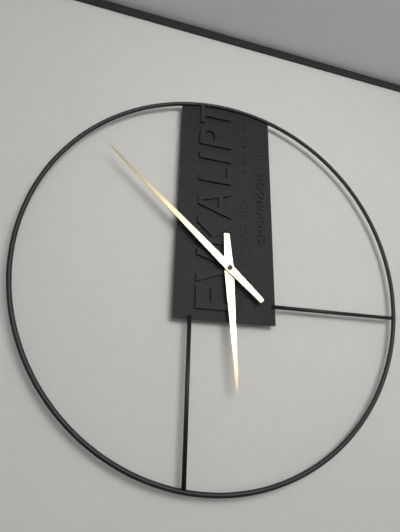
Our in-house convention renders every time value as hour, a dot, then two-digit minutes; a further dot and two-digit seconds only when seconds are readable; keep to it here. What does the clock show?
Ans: 5.52
